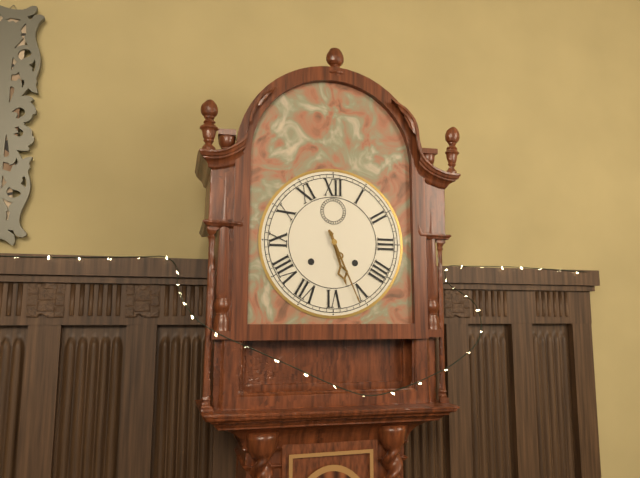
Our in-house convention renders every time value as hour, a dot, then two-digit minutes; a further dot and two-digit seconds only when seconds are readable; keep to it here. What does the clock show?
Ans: 5.26
